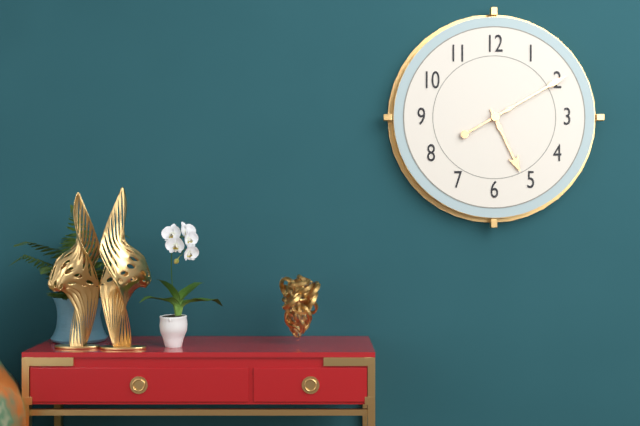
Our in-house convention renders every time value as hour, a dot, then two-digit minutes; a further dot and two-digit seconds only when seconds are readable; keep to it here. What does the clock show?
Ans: 5.10
